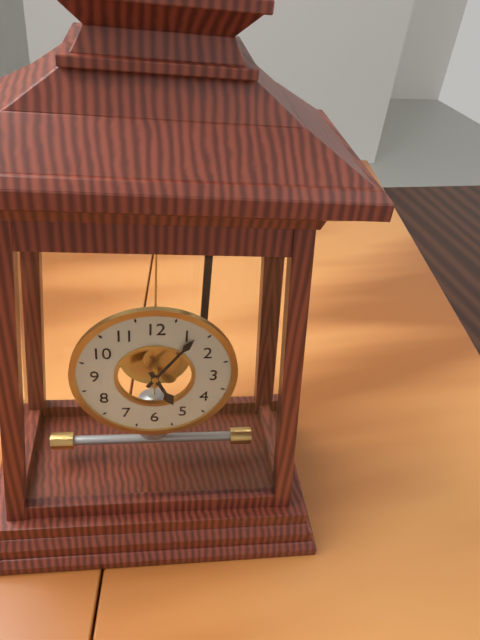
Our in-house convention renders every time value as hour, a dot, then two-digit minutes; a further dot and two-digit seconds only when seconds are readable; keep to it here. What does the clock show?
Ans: 5.06
